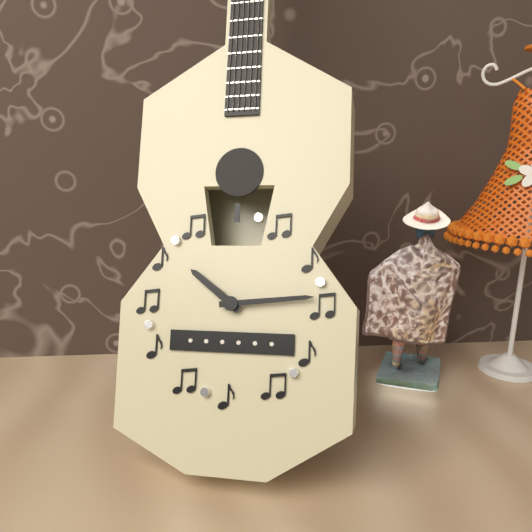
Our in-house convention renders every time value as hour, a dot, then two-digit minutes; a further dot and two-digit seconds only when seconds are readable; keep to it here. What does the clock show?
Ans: 10.14
